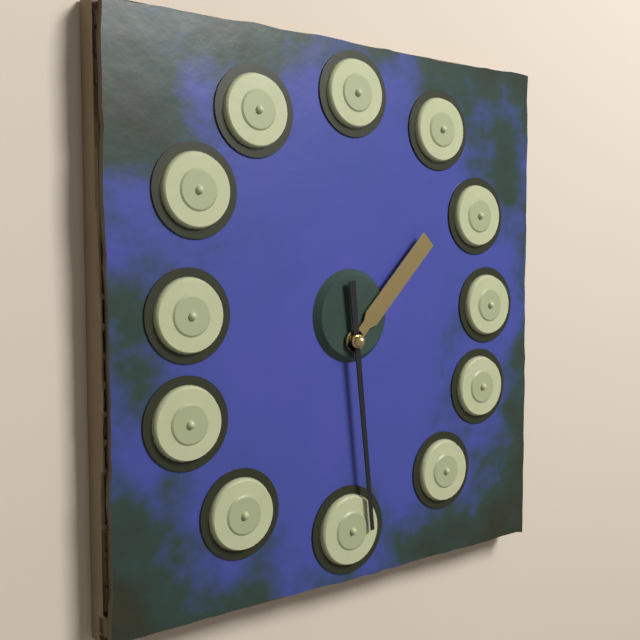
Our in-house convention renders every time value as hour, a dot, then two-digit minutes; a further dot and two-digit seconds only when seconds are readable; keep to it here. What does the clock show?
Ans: 1.29
